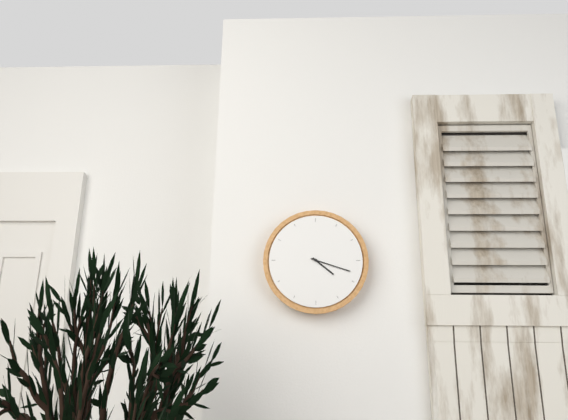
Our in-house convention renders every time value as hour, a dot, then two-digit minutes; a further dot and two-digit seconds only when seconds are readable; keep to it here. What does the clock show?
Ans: 4.18
